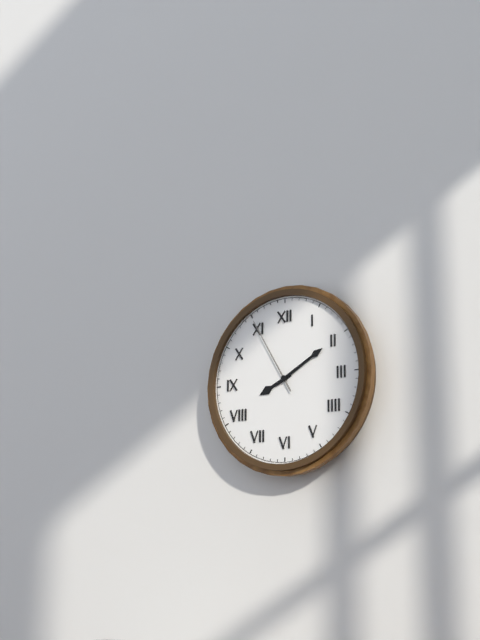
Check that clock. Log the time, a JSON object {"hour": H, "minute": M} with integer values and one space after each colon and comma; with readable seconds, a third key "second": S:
{"hour": 8, "minute": 10, "second": 55}
